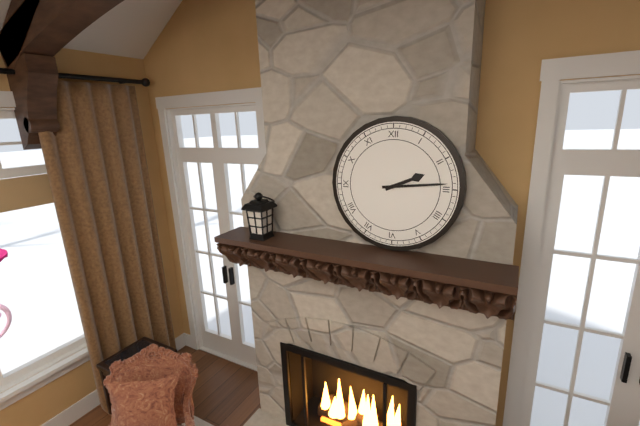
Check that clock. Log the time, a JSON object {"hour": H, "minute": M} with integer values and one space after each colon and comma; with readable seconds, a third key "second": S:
{"hour": 2, "minute": 14}
